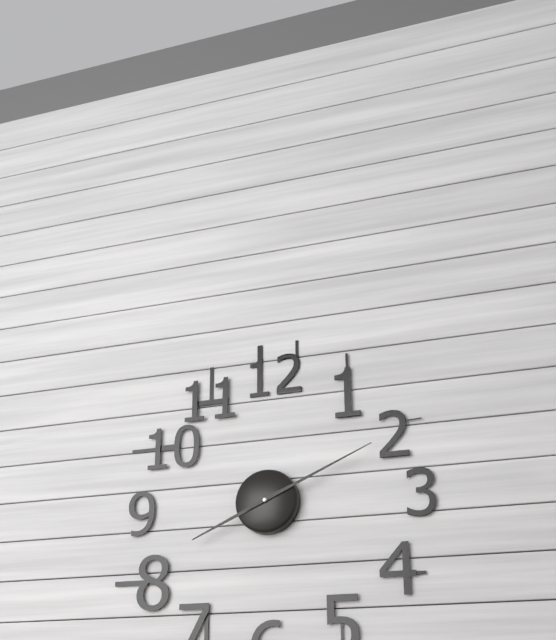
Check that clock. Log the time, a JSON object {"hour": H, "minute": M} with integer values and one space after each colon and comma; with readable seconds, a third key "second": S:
{"hour": 8, "minute": 11}
